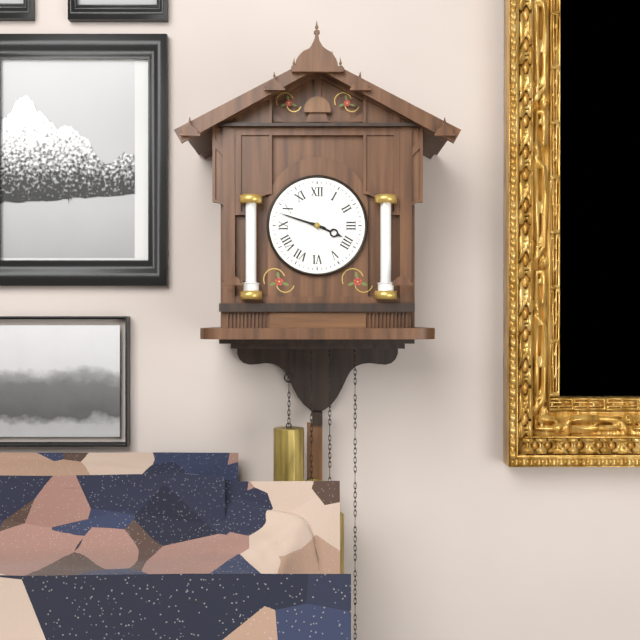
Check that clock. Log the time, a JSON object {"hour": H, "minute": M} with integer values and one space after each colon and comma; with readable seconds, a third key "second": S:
{"hour": 3, "minute": 48}
